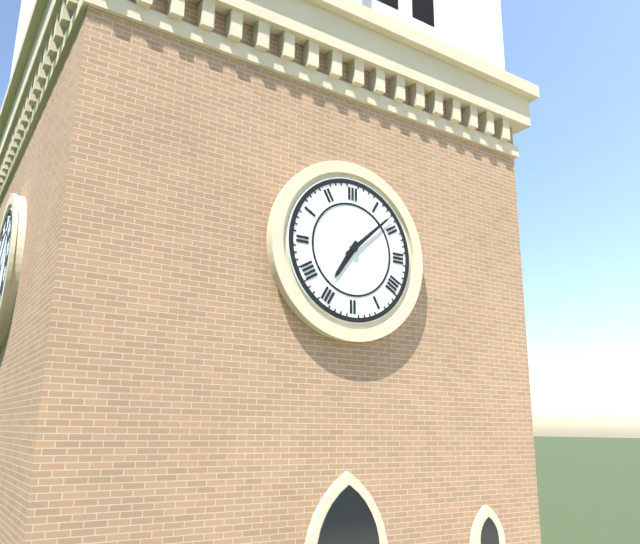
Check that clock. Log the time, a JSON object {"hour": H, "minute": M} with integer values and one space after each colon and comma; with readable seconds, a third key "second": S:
{"hour": 7, "minute": 8}
